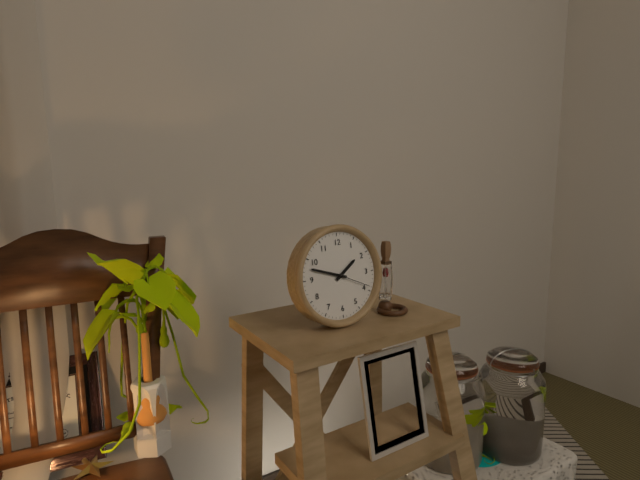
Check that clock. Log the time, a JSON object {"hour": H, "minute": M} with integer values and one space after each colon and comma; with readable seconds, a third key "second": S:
{"hour": 1, "minute": 48}
